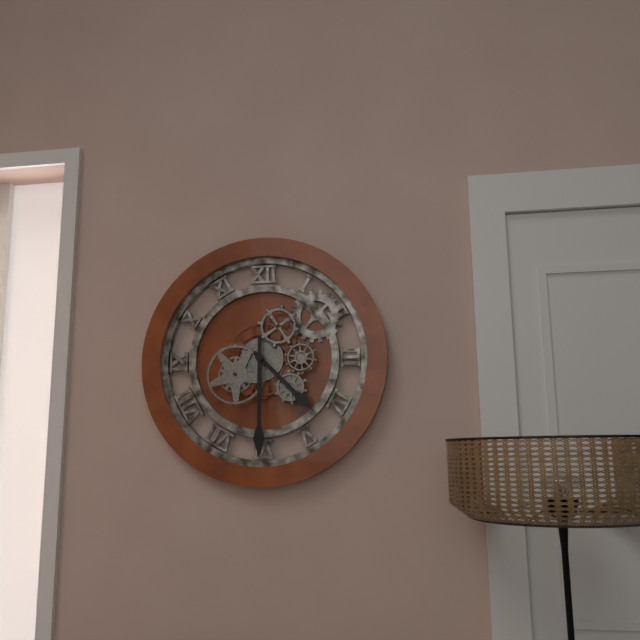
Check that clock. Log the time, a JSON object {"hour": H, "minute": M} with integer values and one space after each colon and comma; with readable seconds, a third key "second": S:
{"hour": 4, "minute": 30}
